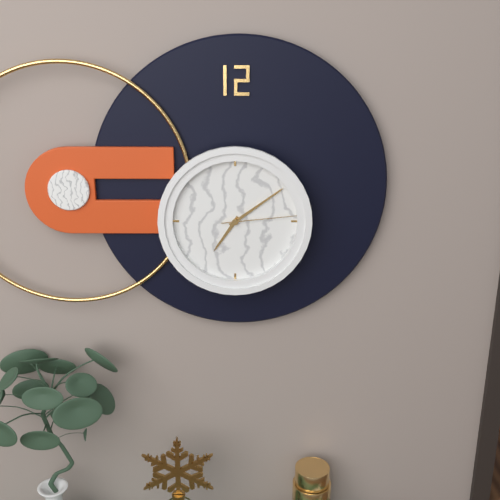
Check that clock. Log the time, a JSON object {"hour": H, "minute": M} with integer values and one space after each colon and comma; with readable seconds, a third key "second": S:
{"hour": 7, "minute": 9, "second": 14}
